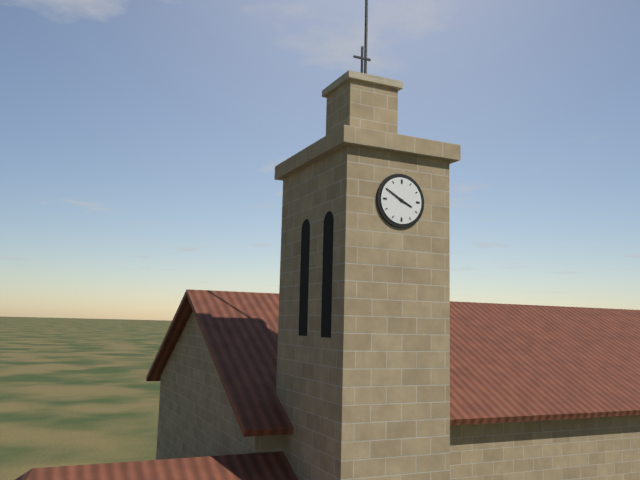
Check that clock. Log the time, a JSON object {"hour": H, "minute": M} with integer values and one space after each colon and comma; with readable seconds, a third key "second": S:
{"hour": 3, "minute": 50}
